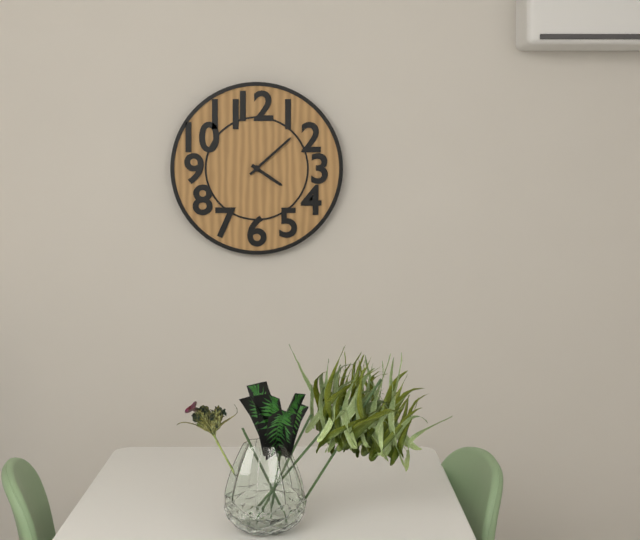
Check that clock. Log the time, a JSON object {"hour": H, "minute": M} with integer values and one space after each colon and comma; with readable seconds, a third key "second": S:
{"hour": 4, "minute": 8}
